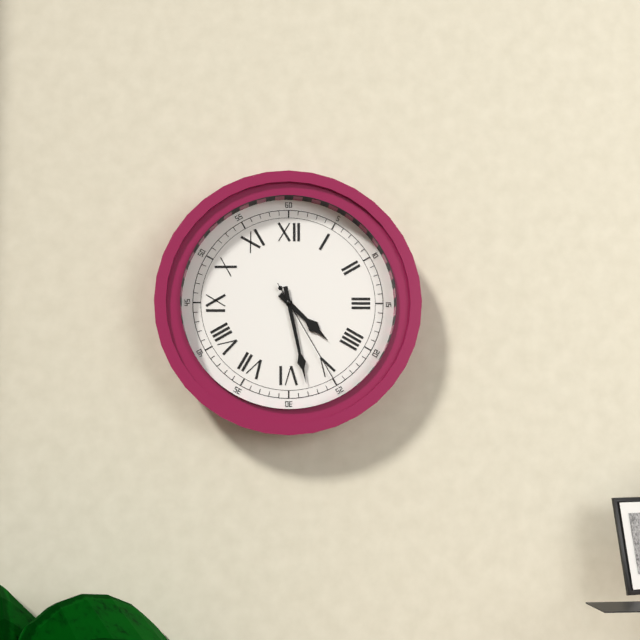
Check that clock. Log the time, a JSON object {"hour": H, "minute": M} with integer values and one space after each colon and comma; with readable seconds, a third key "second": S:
{"hour": 4, "minute": 28, "second": 25}
